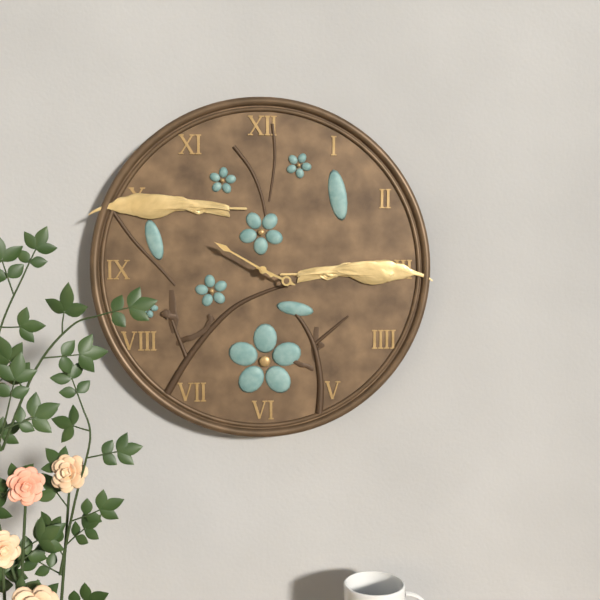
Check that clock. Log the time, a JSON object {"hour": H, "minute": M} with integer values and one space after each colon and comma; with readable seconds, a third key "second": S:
{"hour": 3, "minute": 50}
